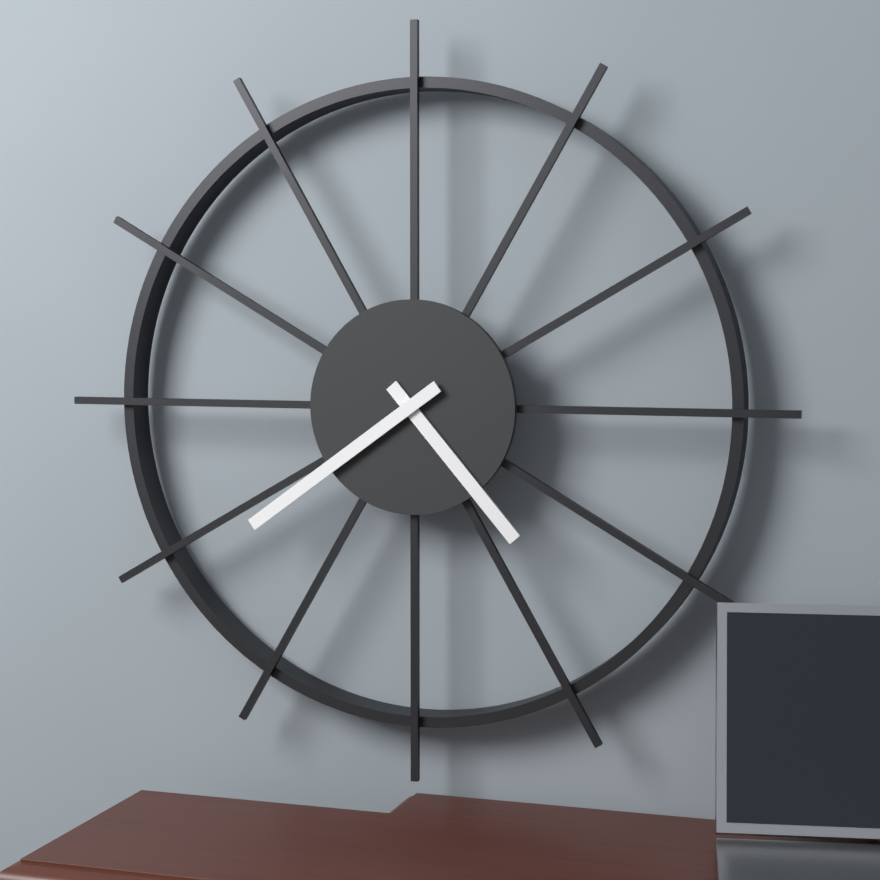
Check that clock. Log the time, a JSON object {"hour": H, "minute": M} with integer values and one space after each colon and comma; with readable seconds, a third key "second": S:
{"hour": 4, "minute": 39}
